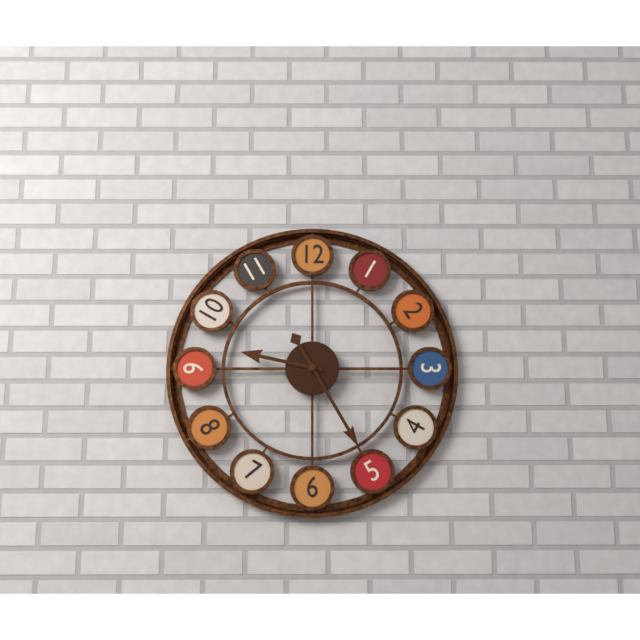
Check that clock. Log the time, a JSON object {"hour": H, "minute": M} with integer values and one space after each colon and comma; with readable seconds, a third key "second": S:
{"hour": 9, "minute": 25}
